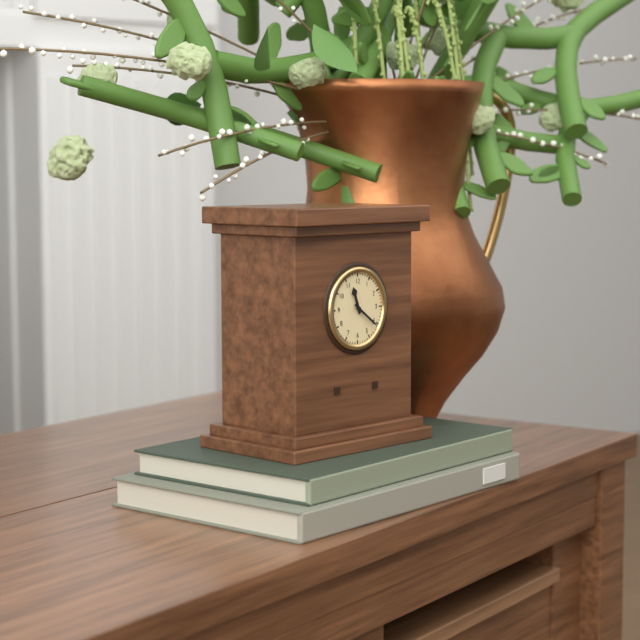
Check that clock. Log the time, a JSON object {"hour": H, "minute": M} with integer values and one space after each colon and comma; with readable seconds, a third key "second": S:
{"hour": 11, "minute": 21}
